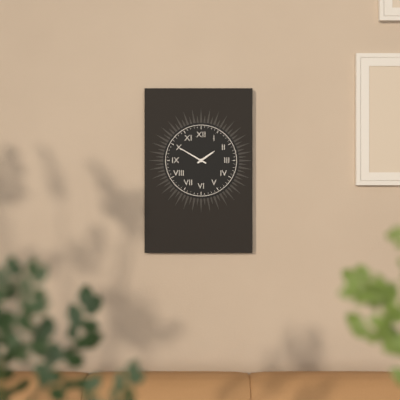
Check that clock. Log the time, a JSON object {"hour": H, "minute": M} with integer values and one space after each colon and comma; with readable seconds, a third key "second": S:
{"hour": 1, "minute": 50}
